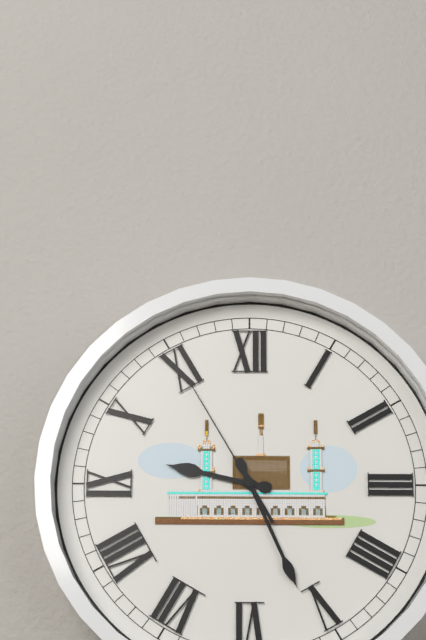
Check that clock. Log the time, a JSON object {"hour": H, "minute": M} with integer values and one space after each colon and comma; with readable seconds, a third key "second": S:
{"hour": 9, "minute": 26, "second": 55}
